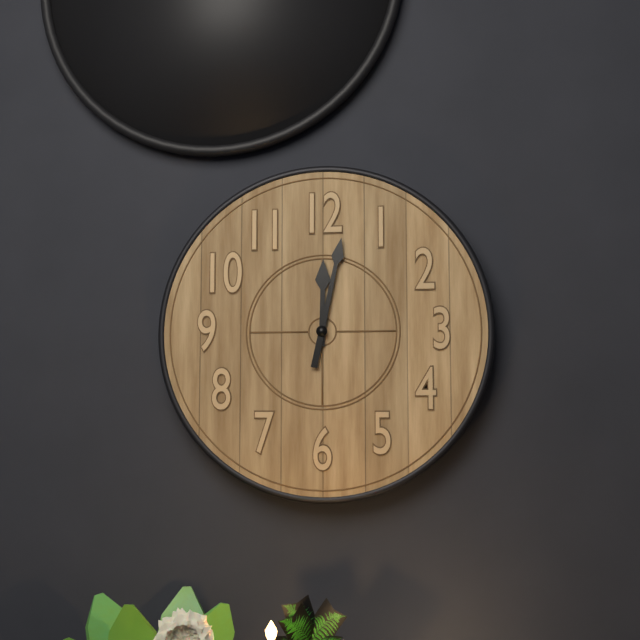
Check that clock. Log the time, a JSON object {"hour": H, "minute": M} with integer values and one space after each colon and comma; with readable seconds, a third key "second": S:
{"hour": 12, "minute": 2}
